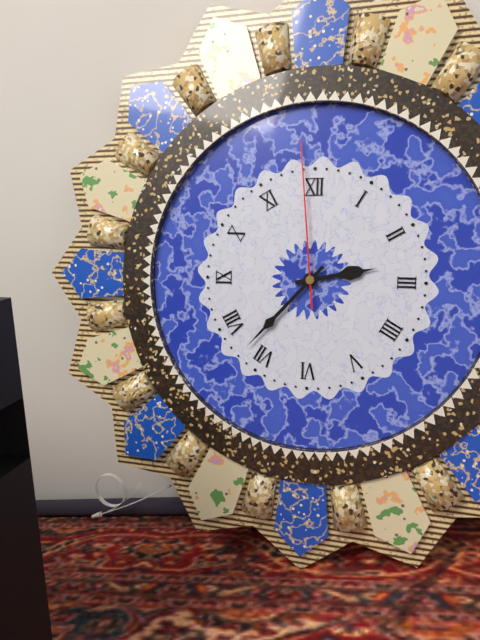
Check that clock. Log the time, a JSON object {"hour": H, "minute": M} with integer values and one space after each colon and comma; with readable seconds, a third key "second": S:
{"hour": 2, "minute": 37, "second": 59}
